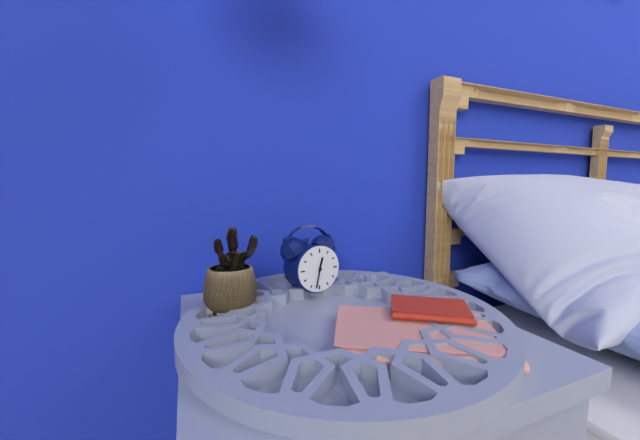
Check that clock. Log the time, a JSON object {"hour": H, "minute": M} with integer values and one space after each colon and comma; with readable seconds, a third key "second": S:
{"hour": 12, "minute": 32}
